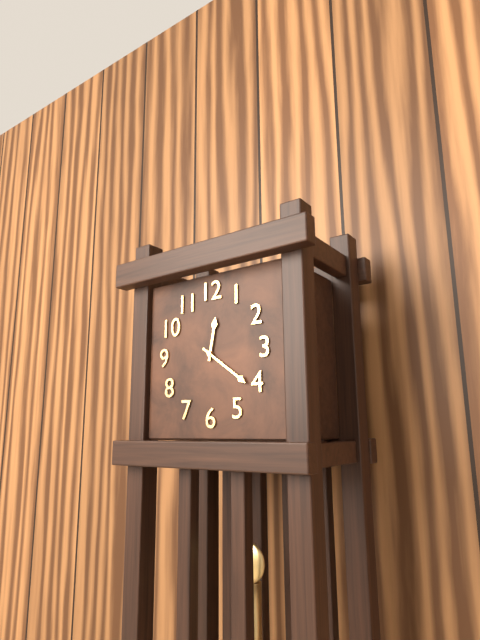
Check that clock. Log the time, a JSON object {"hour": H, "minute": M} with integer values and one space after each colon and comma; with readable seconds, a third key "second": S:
{"hour": 12, "minute": 21}
